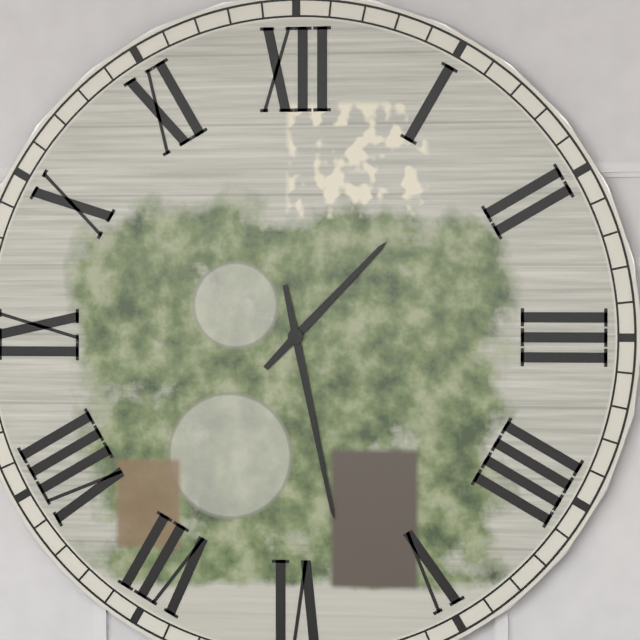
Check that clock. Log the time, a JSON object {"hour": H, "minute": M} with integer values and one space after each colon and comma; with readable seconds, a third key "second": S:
{"hour": 1, "minute": 28}
